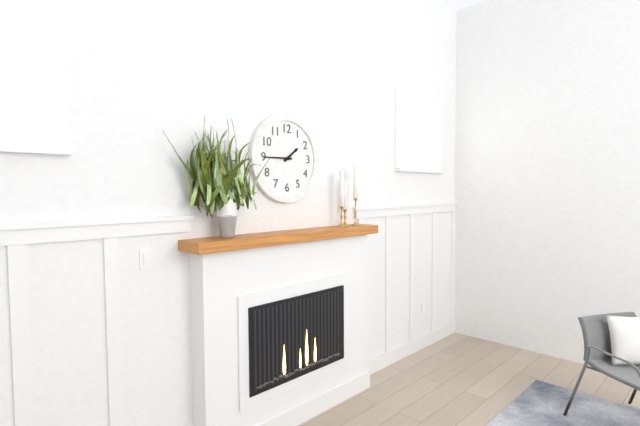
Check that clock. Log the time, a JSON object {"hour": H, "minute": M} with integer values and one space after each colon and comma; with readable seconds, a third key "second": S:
{"hour": 1, "minute": 45}
